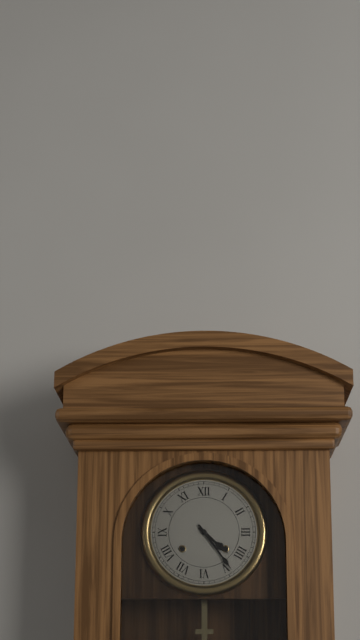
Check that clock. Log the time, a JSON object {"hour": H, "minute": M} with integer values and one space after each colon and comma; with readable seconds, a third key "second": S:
{"hour": 4, "minute": 24}
